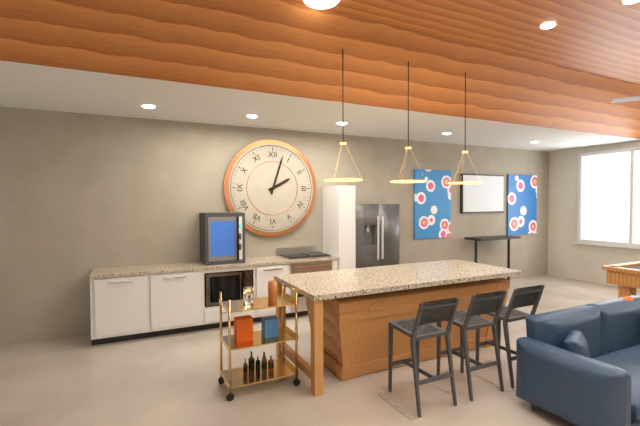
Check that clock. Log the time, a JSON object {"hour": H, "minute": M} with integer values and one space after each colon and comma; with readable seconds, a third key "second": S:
{"hour": 2, "minute": 3}
